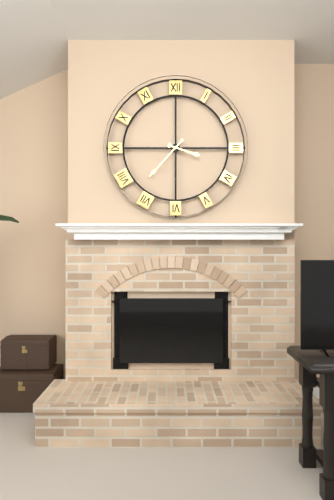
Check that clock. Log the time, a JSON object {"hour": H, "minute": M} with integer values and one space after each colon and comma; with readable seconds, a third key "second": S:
{"hour": 3, "minute": 37}
